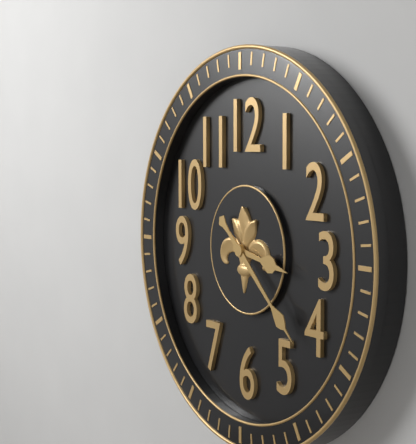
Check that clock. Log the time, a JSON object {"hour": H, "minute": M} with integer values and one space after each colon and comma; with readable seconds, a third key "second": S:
{"hour": 3, "minute": 22}
